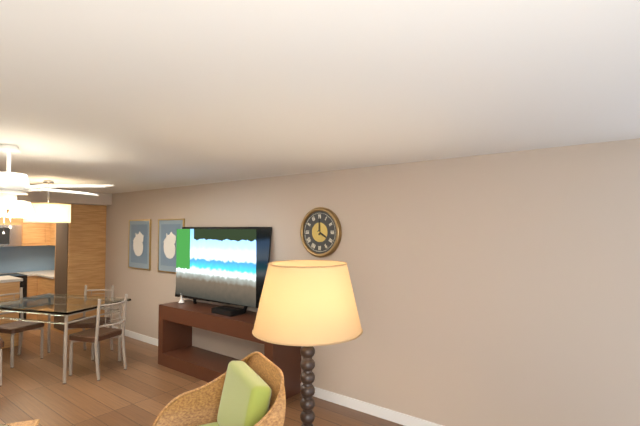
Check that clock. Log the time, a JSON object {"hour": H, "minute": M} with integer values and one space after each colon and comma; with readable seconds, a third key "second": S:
{"hour": 4, "minute": 0}
